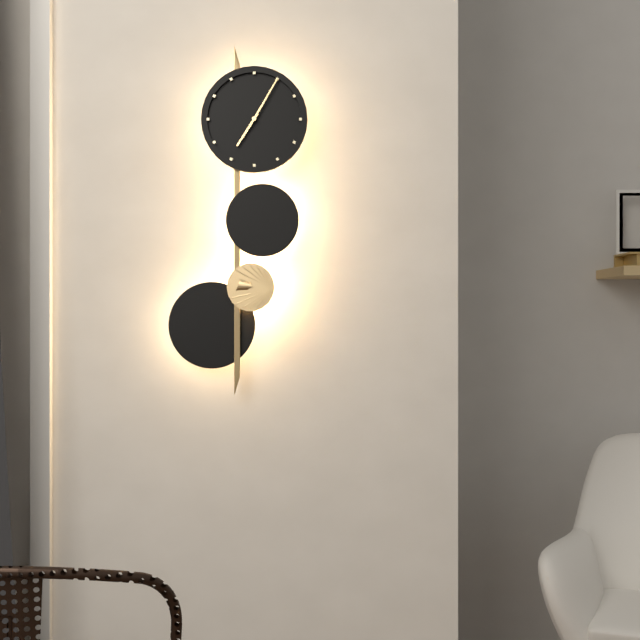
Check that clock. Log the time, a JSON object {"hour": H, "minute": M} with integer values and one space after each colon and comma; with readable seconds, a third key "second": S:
{"hour": 7, "minute": 5}
